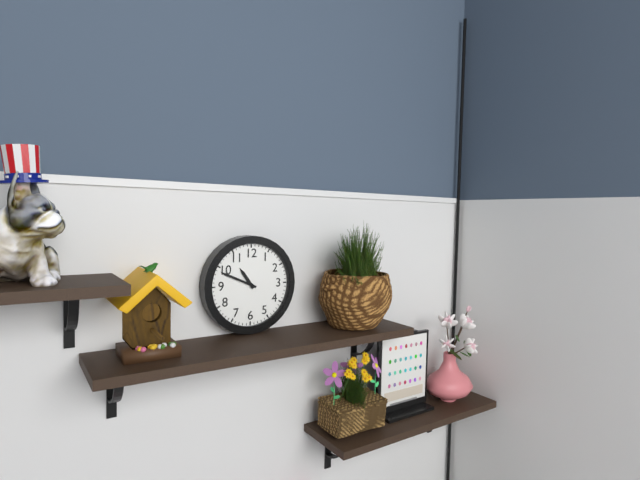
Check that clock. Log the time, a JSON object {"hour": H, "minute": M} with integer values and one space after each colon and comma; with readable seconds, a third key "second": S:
{"hour": 10, "minute": 49}
